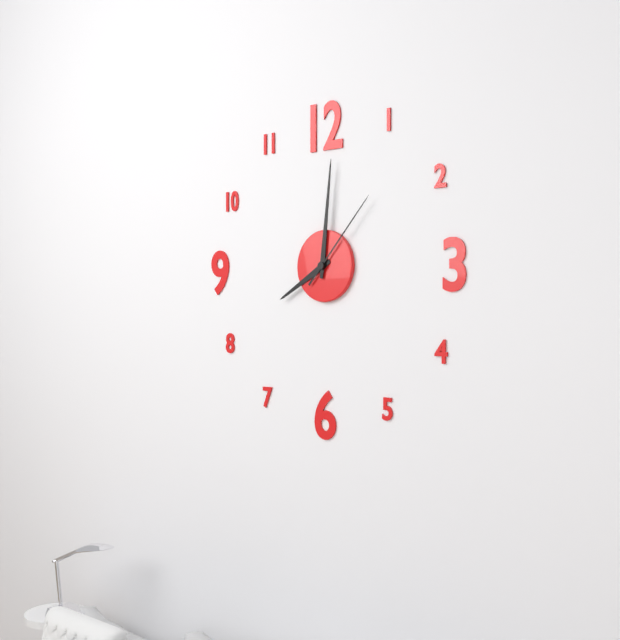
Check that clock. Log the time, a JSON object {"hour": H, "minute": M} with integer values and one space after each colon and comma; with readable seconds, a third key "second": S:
{"hour": 8, "minute": 1, "second": 7}
